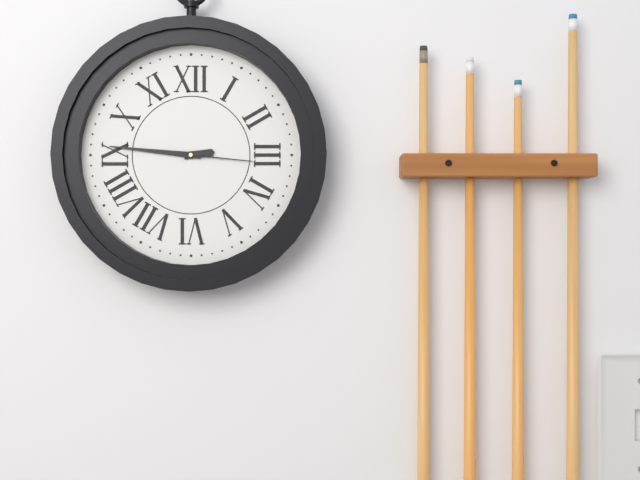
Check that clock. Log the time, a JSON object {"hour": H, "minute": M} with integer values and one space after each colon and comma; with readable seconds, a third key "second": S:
{"hour": 2, "minute": 46, "second": 16}
